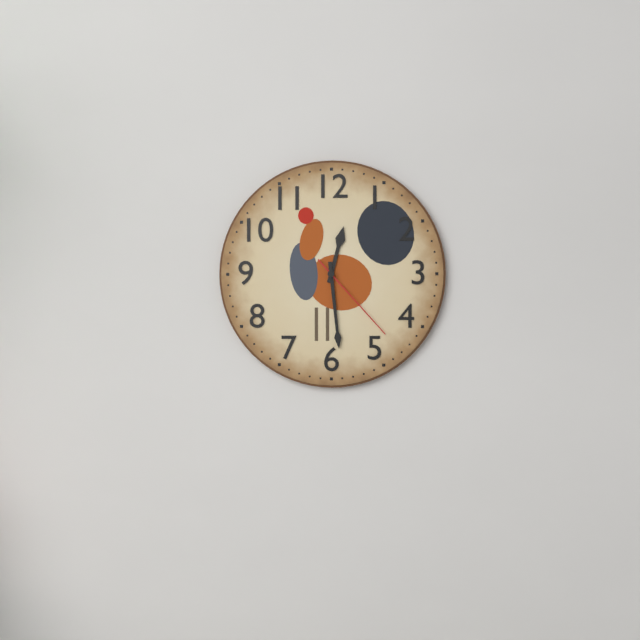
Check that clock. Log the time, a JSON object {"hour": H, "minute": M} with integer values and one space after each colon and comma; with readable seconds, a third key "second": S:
{"hour": 12, "minute": 29, "second": 23}
